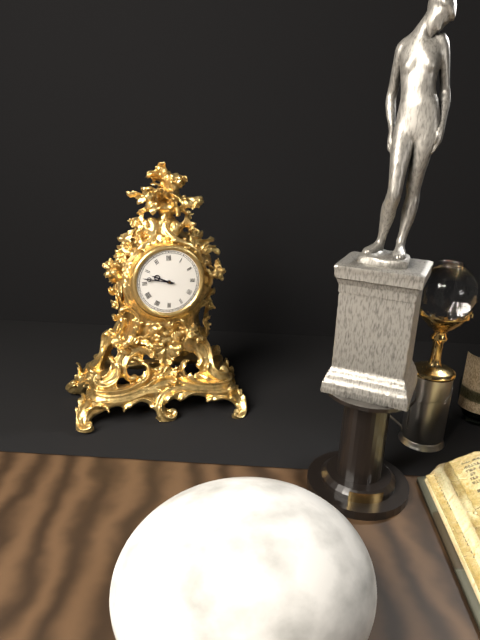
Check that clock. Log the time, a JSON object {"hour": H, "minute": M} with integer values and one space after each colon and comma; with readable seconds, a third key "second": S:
{"hour": 9, "minute": 47}
